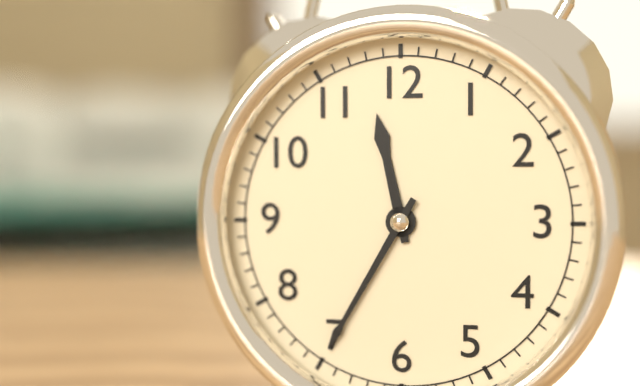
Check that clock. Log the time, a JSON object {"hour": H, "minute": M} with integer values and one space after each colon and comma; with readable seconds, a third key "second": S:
{"hour": 11, "minute": 35}
